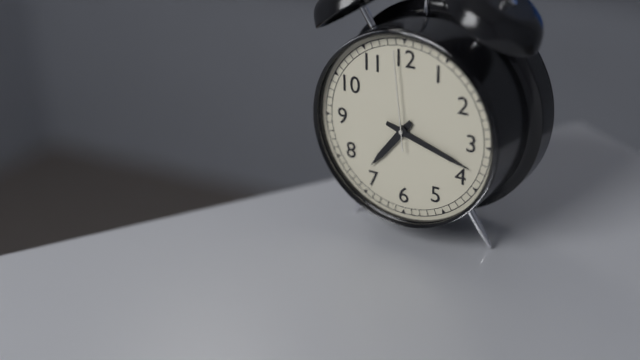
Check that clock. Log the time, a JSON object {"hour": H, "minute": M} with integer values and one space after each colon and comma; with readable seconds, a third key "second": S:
{"hour": 7, "minute": 18, "second": 59}
